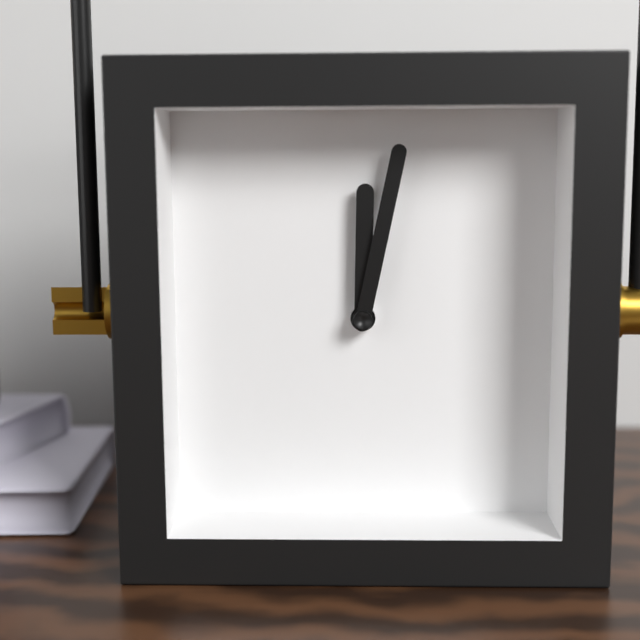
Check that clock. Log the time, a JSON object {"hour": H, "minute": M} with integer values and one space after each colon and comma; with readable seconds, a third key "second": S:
{"hour": 12, "minute": 2}
